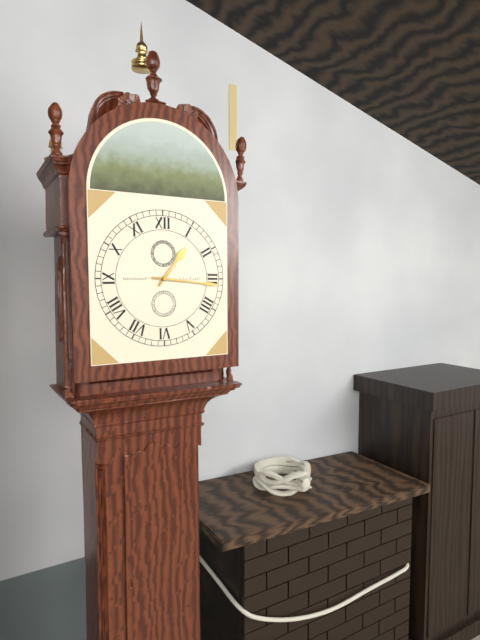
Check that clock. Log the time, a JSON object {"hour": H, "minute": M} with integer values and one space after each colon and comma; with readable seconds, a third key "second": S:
{"hour": 1, "minute": 16}
